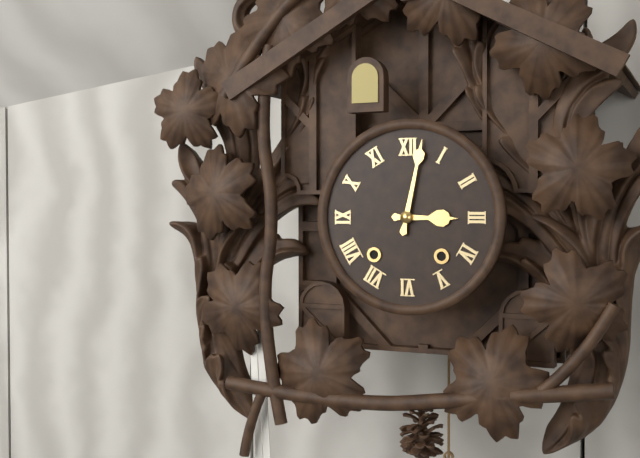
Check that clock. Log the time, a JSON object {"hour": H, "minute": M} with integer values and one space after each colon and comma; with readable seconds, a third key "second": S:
{"hour": 3, "minute": 2}
